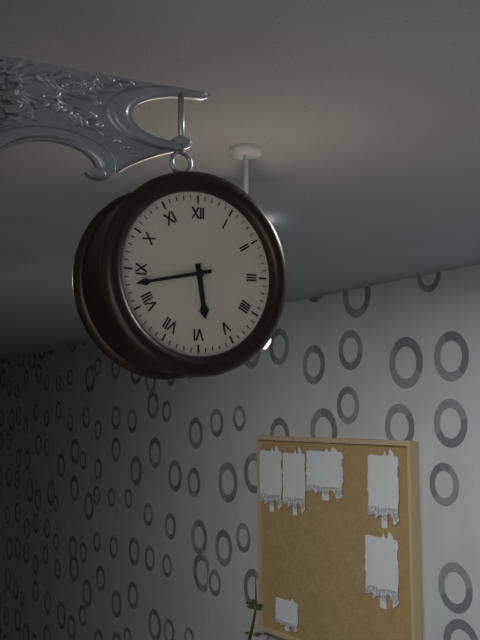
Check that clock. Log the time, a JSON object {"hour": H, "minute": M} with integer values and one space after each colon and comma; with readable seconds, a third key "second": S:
{"hour": 5, "minute": 43}
